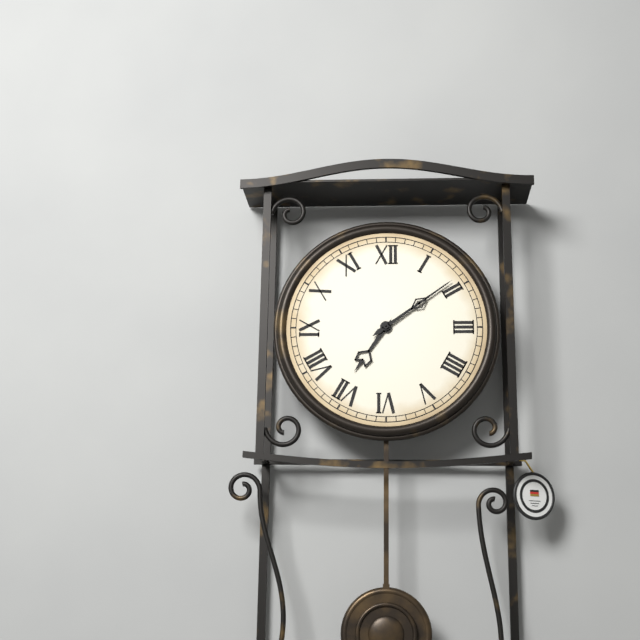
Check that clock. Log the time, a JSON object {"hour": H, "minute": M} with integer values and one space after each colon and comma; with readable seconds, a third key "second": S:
{"hour": 7, "minute": 9}
